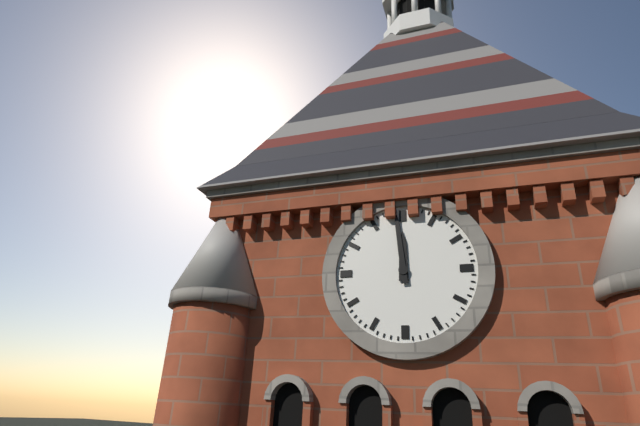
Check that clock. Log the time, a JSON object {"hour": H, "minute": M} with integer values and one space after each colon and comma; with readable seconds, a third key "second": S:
{"hour": 11, "minute": 59}
